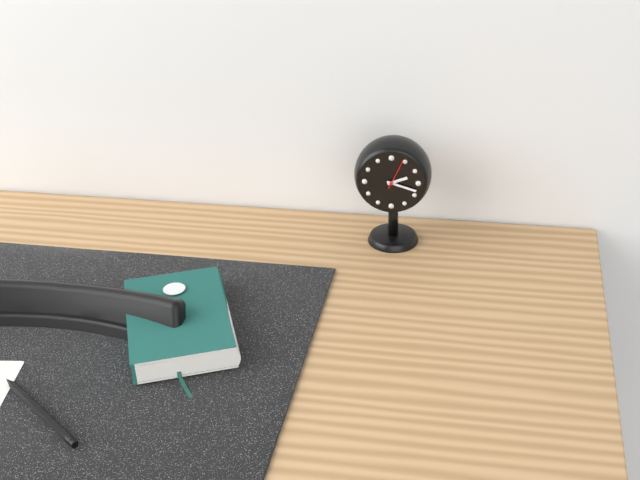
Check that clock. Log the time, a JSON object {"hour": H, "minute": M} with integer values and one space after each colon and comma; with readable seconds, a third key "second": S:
{"hour": 2, "minute": 18}
